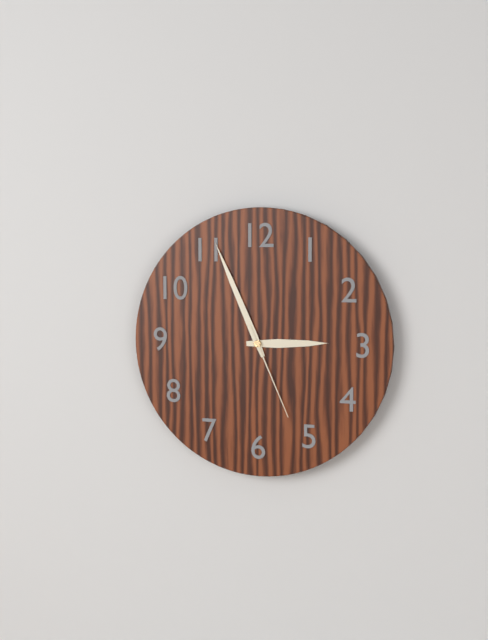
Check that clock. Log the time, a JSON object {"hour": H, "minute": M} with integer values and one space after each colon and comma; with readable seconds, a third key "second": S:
{"hour": 2, "minute": 56, "second": 26}
